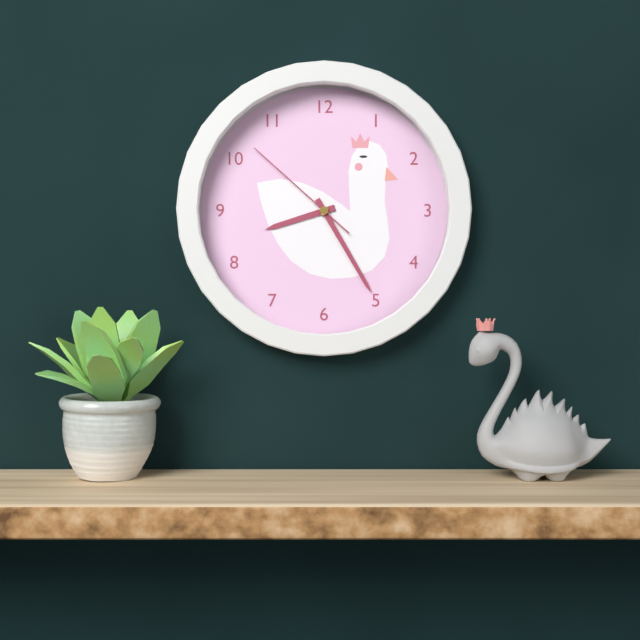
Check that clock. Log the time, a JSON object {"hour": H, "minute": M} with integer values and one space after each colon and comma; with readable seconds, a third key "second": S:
{"hour": 8, "minute": 25, "second": 52}
